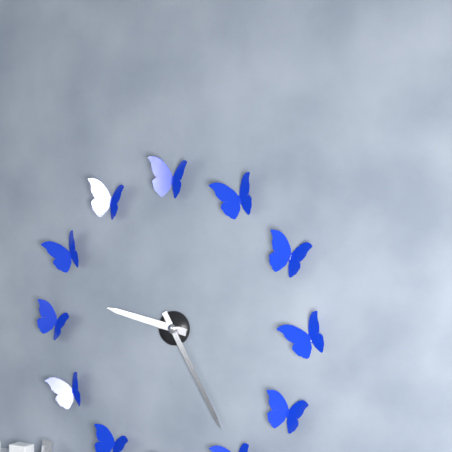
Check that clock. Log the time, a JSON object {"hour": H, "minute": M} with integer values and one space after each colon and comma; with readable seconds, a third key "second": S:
{"hour": 9, "minute": 25}
